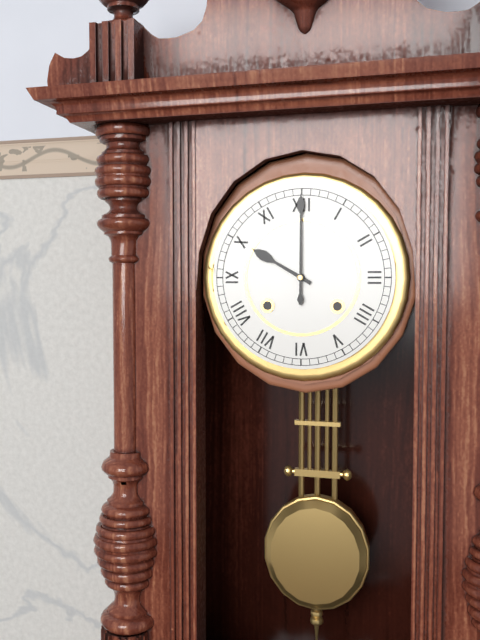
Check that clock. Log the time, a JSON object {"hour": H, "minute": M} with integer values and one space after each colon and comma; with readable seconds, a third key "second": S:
{"hour": 10, "minute": 0}
